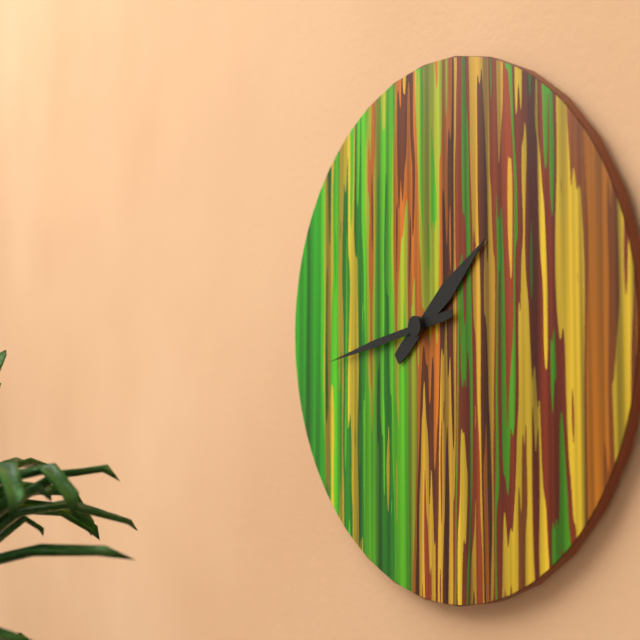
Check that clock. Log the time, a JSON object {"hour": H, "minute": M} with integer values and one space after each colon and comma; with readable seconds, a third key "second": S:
{"hour": 1, "minute": 43}
